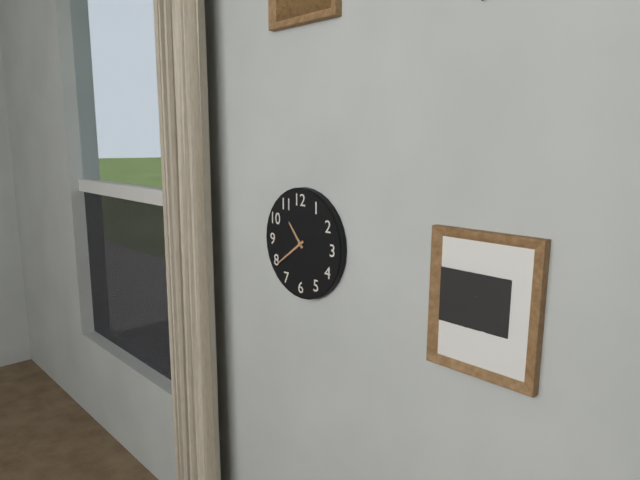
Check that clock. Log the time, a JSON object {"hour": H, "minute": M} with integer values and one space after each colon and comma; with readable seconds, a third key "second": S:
{"hour": 10, "minute": 39}
